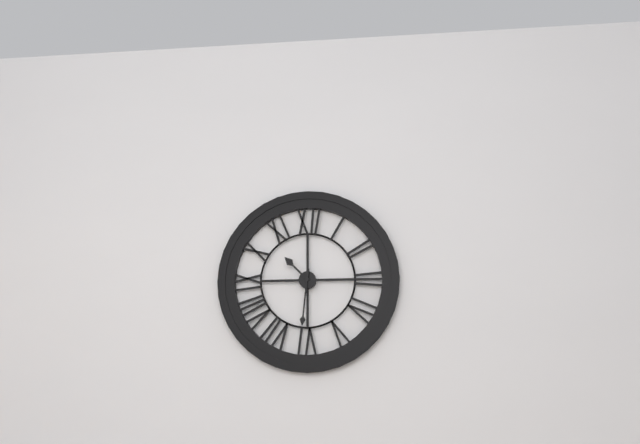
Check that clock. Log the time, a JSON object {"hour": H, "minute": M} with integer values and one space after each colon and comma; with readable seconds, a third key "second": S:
{"hour": 10, "minute": 31}
